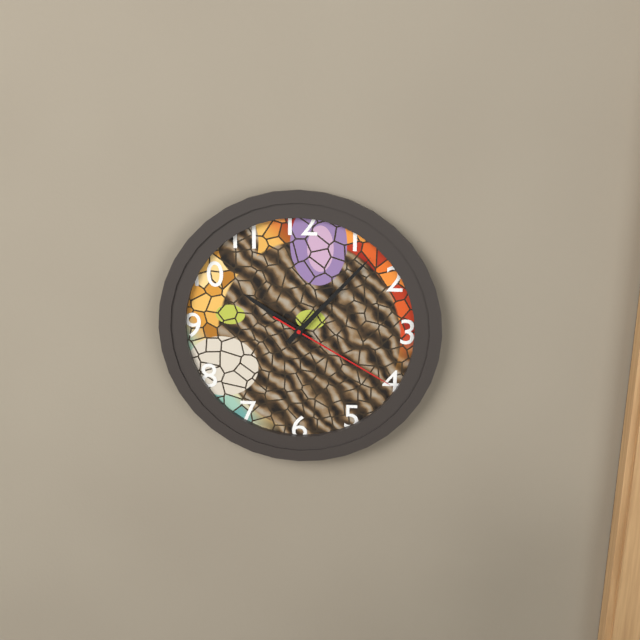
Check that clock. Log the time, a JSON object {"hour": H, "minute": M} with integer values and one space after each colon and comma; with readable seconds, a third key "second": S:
{"hour": 10, "minute": 7, "second": 20}
